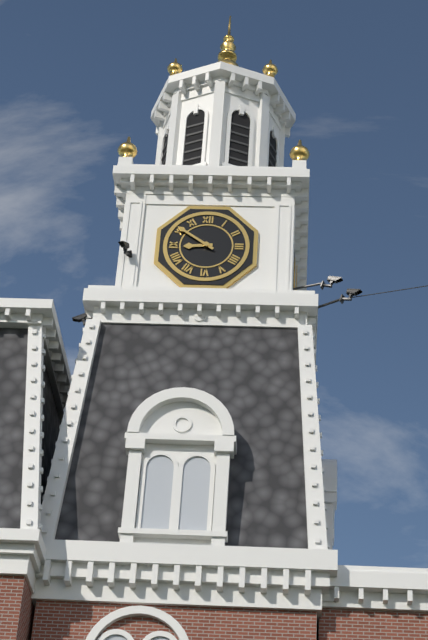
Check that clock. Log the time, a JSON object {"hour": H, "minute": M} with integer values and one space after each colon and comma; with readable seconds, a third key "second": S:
{"hour": 8, "minute": 51}
